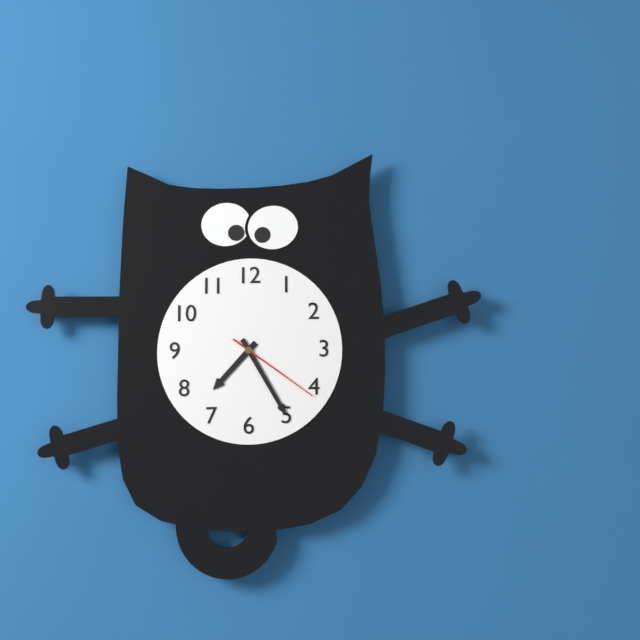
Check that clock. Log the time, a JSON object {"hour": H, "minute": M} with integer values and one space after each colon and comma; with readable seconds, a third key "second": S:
{"hour": 7, "minute": 25, "second": 21}
